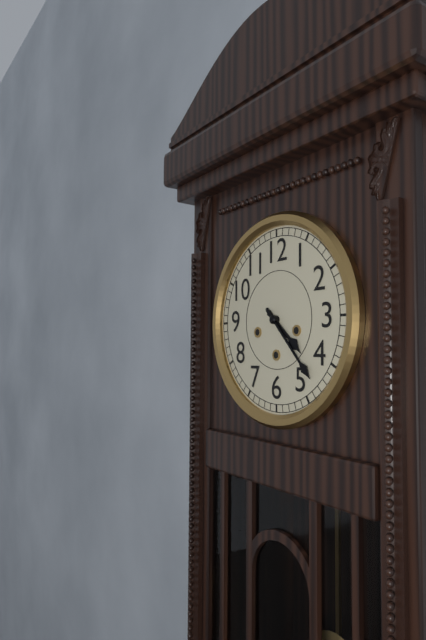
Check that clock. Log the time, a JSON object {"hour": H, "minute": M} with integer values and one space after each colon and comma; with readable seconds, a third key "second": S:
{"hour": 4, "minute": 23}
